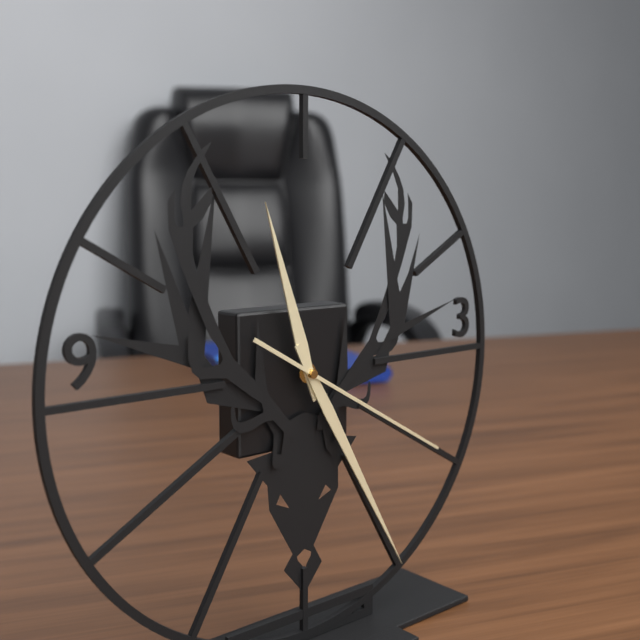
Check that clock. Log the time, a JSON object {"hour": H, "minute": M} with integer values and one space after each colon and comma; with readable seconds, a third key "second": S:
{"hour": 11, "minute": 25, "second": 20}
